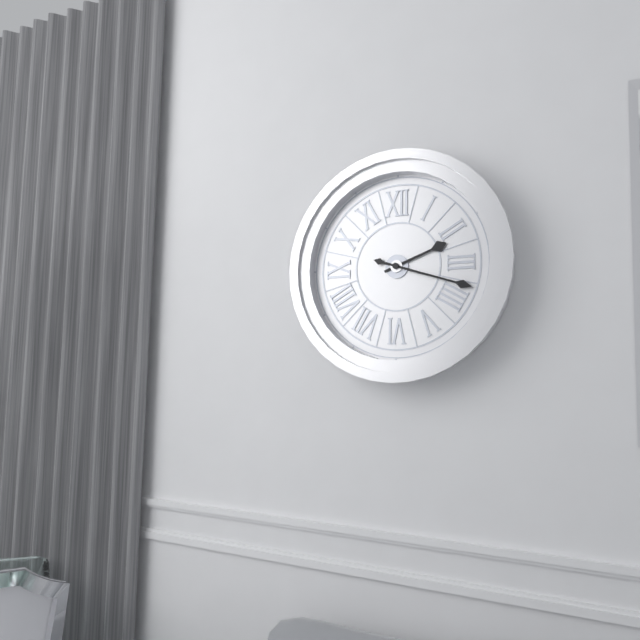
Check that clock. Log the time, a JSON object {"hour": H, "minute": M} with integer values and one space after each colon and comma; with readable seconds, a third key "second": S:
{"hour": 2, "minute": 18}
